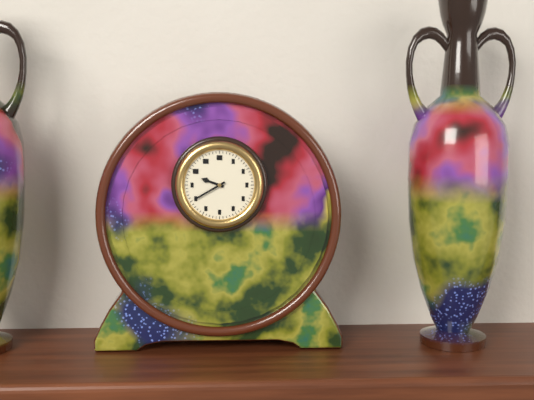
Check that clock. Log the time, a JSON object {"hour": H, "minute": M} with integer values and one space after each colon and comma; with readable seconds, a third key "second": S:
{"hour": 9, "minute": 40}
